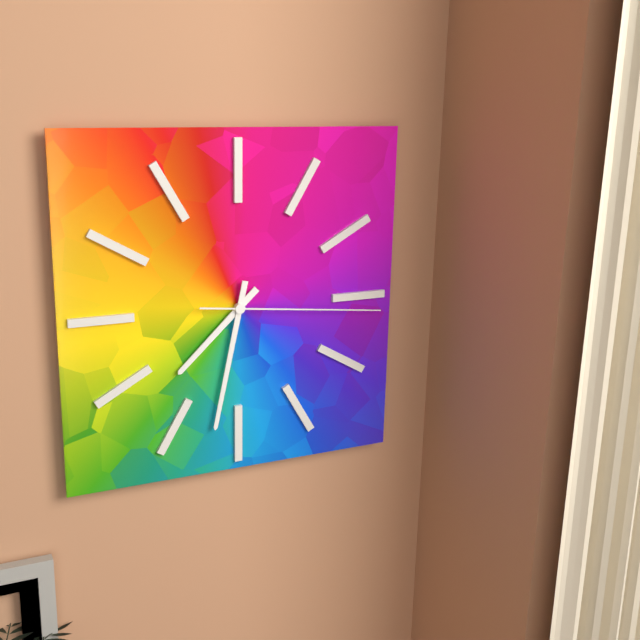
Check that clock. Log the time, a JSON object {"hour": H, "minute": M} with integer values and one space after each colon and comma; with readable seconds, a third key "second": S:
{"hour": 7, "minute": 32, "second": 16}
